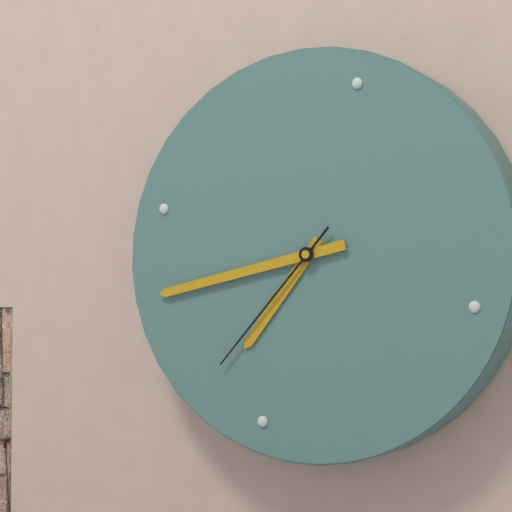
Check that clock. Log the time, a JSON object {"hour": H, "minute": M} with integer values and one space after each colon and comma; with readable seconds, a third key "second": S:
{"hour": 6, "minute": 40, "second": 34}
